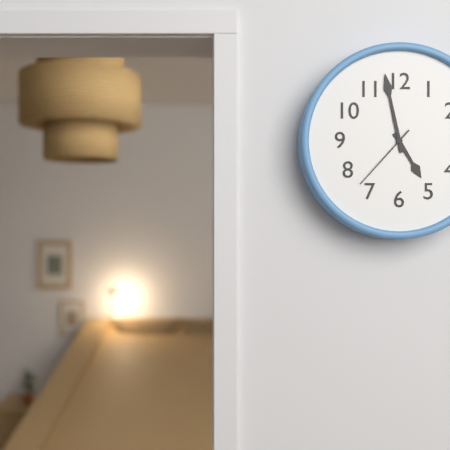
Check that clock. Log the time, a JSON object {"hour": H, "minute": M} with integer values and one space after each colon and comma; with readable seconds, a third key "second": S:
{"hour": 4, "minute": 58, "second": 37}
